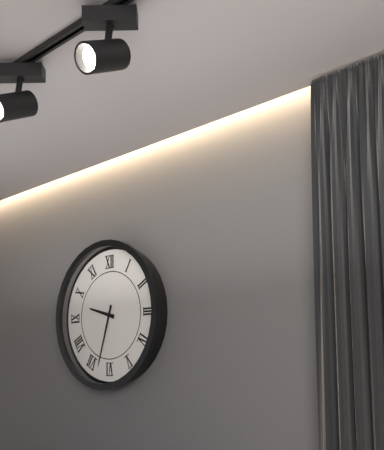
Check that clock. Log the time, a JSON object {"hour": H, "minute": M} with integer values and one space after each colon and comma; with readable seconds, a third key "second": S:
{"hour": 9, "minute": 33}
